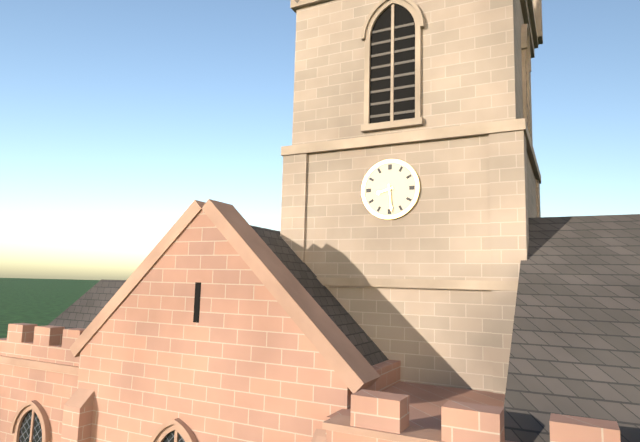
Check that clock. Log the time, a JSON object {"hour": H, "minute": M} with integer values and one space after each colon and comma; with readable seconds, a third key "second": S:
{"hour": 8, "minute": 29}
